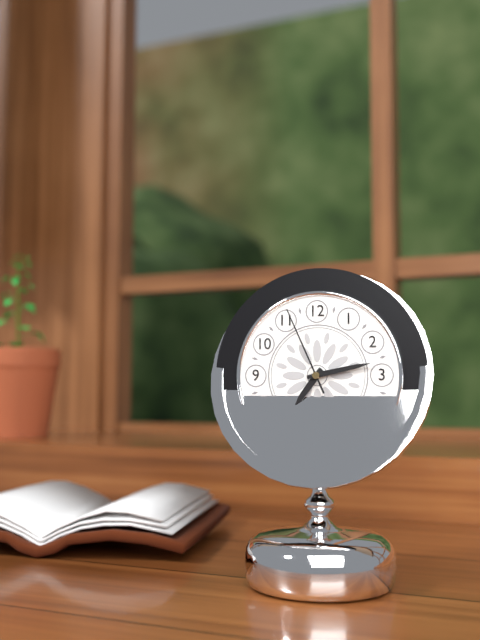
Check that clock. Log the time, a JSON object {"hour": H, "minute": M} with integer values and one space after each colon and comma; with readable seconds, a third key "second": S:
{"hour": 7, "minute": 13, "second": 56}
